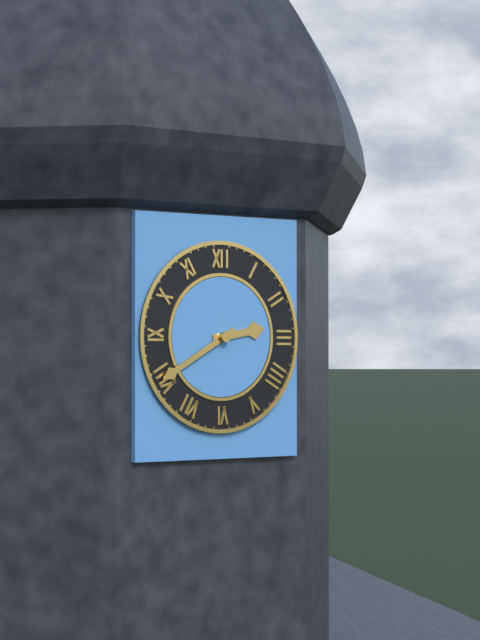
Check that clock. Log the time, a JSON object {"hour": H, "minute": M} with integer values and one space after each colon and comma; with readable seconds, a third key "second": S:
{"hour": 2, "minute": 40}
